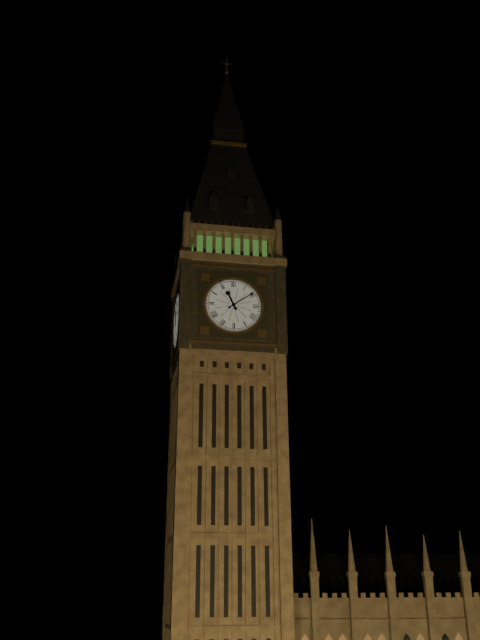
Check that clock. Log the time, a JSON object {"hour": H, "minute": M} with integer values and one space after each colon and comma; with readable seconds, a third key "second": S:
{"hour": 11, "minute": 9}
